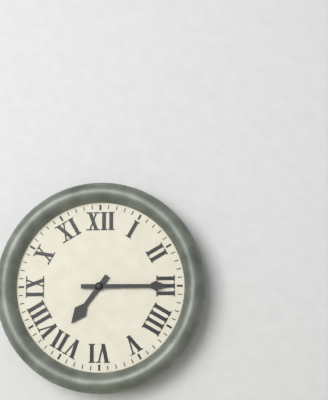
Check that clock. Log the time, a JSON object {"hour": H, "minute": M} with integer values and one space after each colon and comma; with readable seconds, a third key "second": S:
{"hour": 7, "minute": 15}
